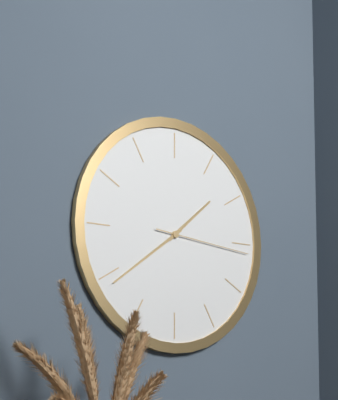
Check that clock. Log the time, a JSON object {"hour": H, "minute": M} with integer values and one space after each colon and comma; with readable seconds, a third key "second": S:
{"hour": 1, "minute": 39, "second": 16}
